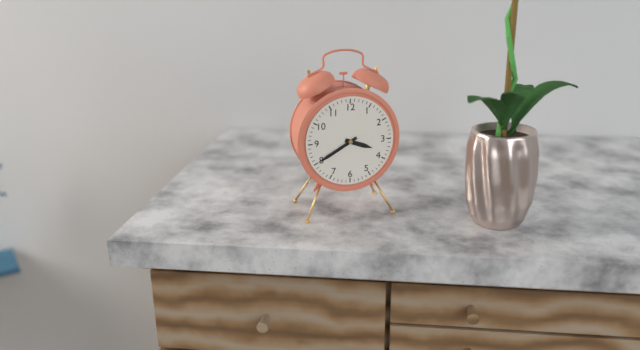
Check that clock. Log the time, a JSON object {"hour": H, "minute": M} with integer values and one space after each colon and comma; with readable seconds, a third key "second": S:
{"hour": 3, "minute": 40}
